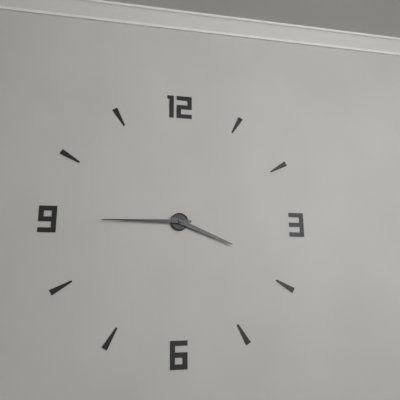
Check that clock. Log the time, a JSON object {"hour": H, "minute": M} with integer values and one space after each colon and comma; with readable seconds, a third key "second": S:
{"hour": 3, "minute": 45}
